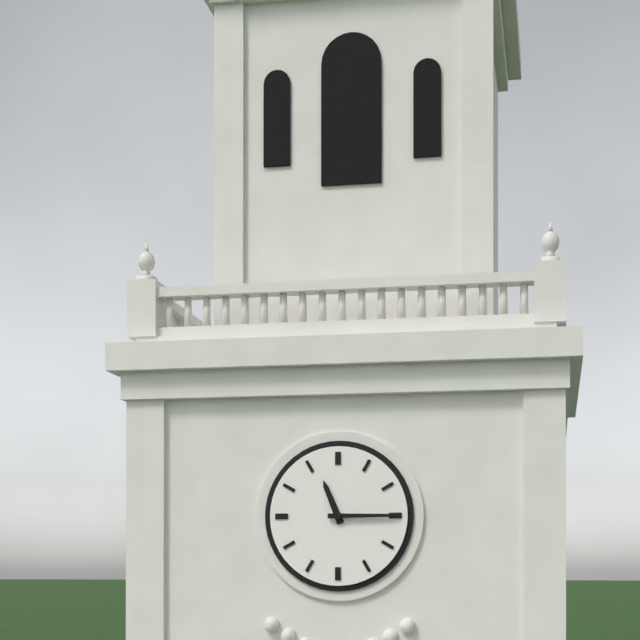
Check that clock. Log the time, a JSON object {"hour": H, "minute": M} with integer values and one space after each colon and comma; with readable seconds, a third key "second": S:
{"hour": 11, "minute": 15}
